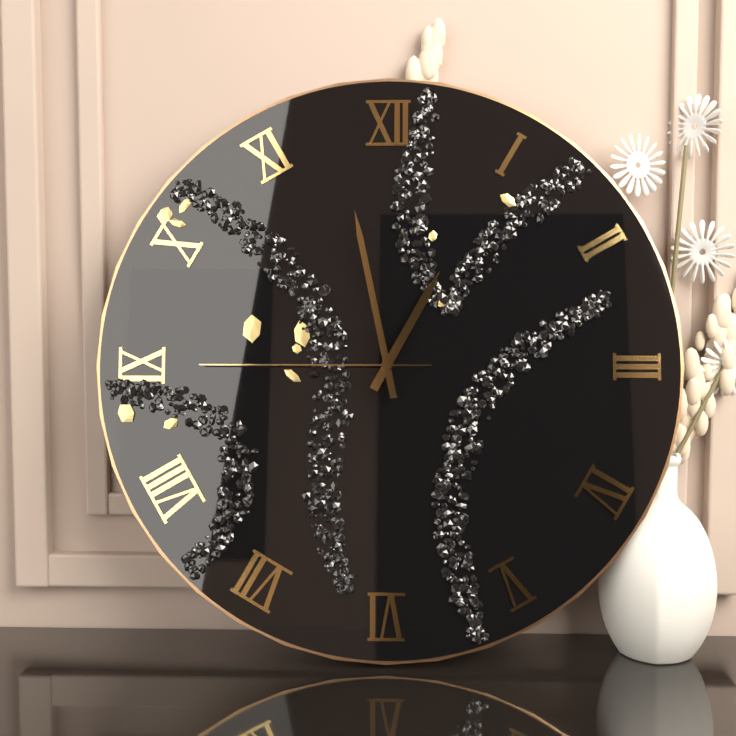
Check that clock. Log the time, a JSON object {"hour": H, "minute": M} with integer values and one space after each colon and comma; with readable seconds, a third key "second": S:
{"hour": 12, "minute": 58, "second": 45}
